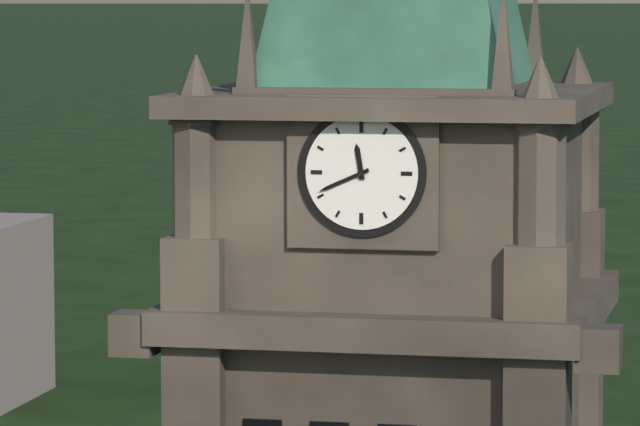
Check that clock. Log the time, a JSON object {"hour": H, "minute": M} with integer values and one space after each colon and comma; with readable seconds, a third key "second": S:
{"hour": 11, "minute": 41}
